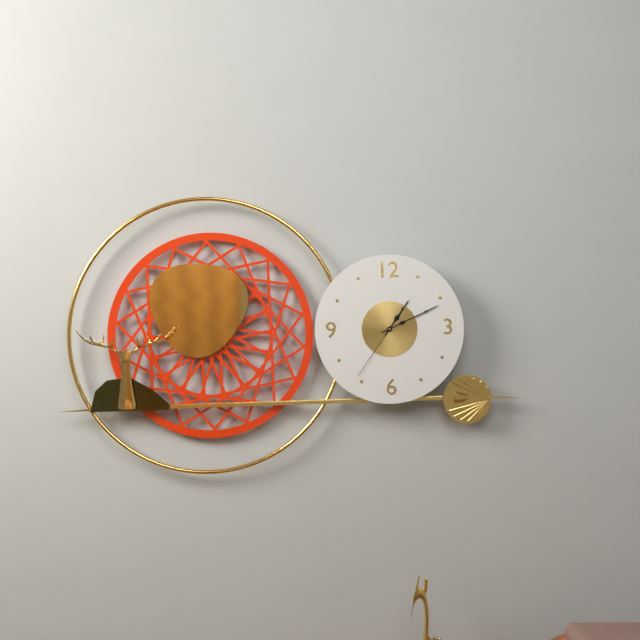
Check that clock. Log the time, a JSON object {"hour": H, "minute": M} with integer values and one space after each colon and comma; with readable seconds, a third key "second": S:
{"hour": 1, "minute": 11, "second": 36}
